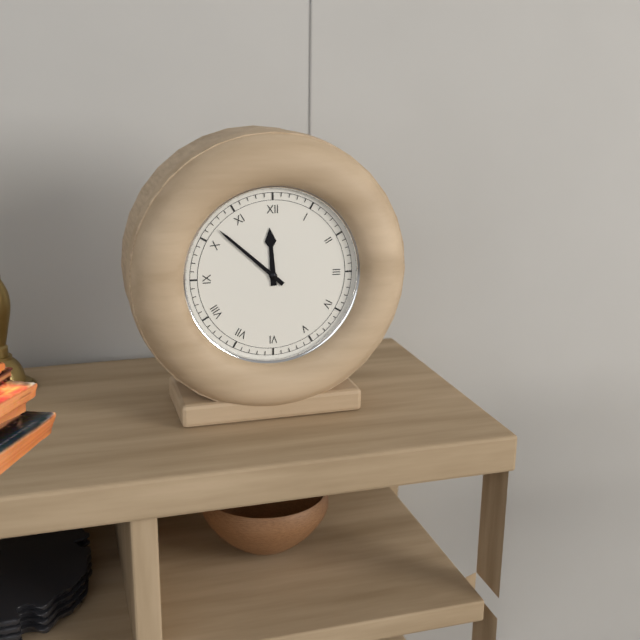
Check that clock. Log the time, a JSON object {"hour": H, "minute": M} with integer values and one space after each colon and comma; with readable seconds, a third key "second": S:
{"hour": 11, "minute": 52}
